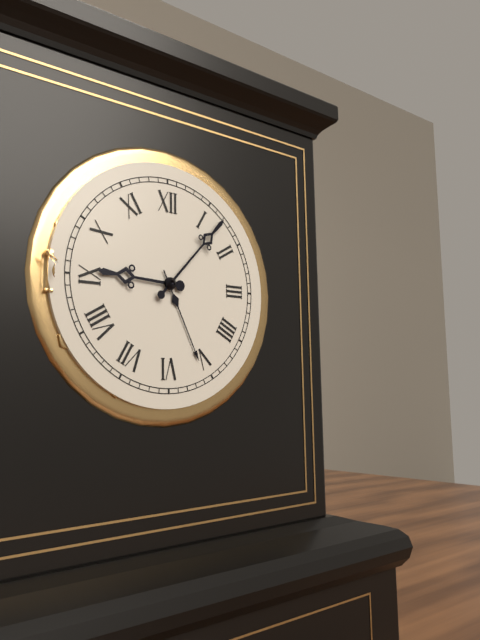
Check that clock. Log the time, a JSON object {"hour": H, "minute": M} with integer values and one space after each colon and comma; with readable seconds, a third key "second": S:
{"hour": 9, "minute": 7}
